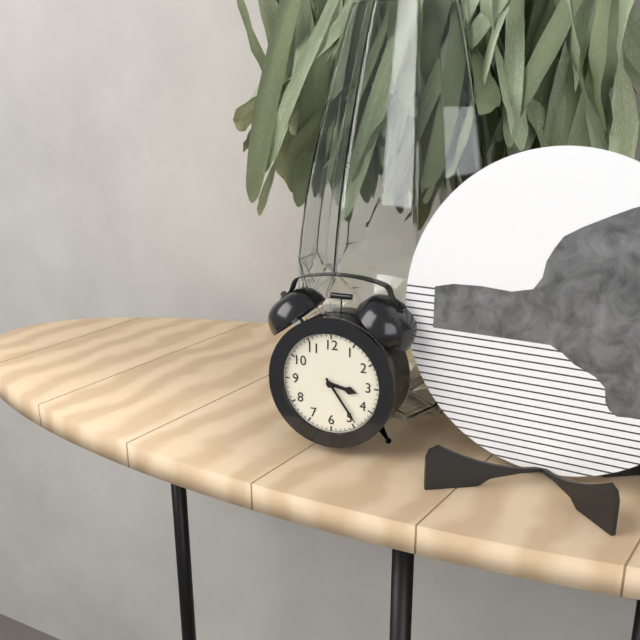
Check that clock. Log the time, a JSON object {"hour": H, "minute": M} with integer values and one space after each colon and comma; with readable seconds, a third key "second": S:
{"hour": 3, "minute": 24}
